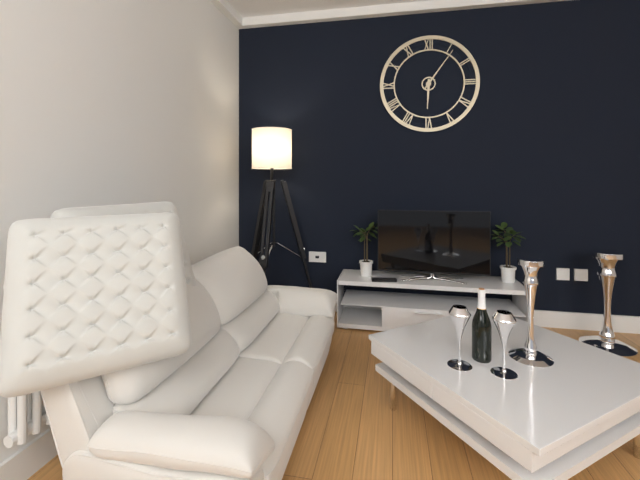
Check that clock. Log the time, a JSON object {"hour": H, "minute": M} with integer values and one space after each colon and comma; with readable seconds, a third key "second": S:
{"hour": 6, "minute": 6}
